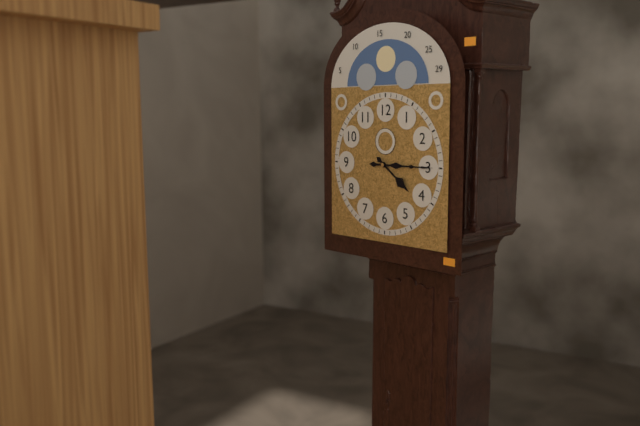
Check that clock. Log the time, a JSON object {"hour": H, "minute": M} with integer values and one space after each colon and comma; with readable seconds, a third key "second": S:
{"hour": 4, "minute": 15}
